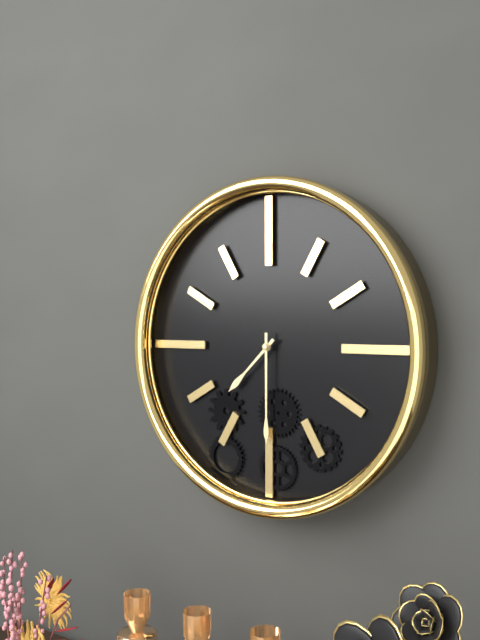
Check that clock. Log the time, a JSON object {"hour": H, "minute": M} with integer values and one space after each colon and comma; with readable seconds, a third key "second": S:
{"hour": 7, "minute": 30}
